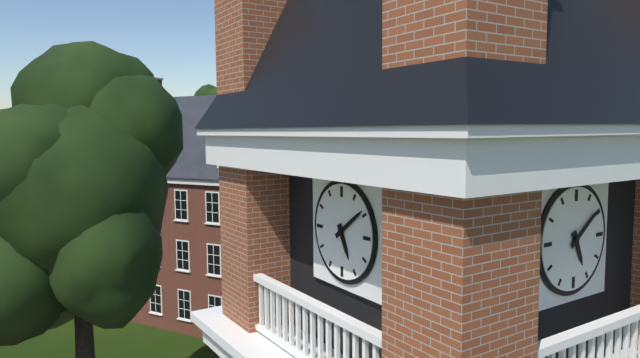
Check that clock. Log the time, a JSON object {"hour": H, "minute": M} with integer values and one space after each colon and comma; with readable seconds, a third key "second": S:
{"hour": 5, "minute": 9}
